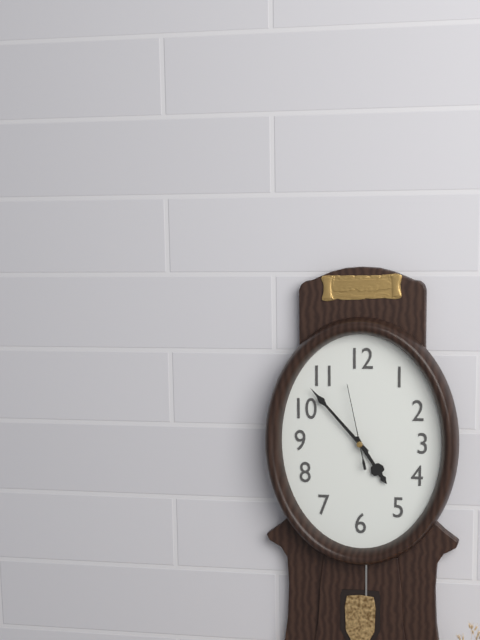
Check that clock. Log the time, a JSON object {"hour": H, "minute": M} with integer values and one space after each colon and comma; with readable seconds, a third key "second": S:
{"hour": 4, "minute": 53, "second": 58}
